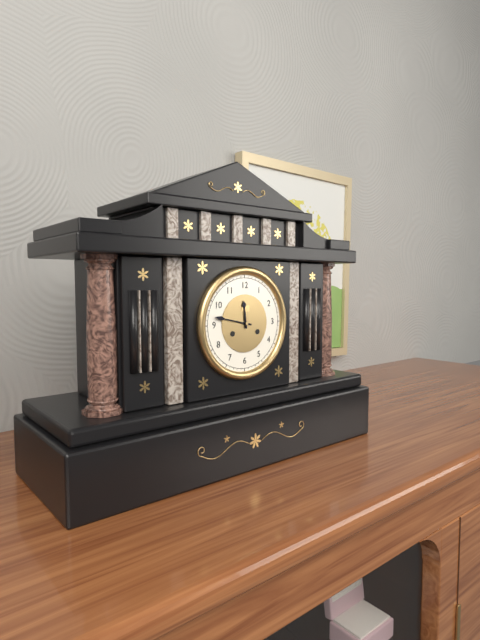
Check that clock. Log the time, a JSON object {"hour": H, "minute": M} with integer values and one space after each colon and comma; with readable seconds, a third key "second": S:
{"hour": 11, "minute": 47}
